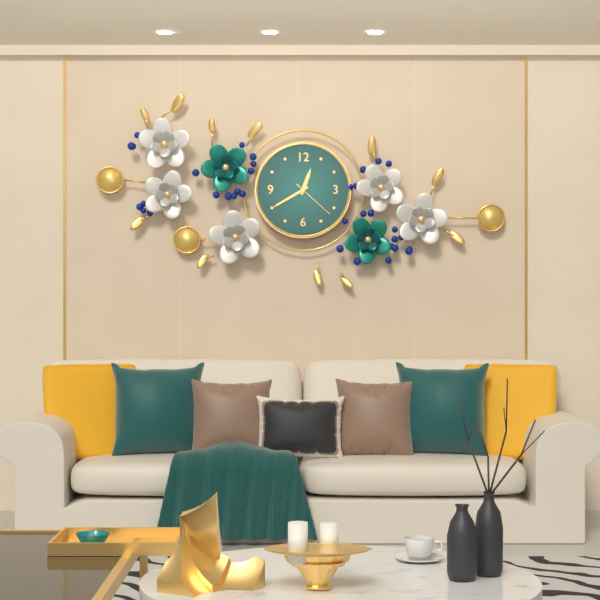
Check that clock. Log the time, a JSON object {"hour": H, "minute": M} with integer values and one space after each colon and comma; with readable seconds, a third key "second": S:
{"hour": 12, "minute": 40}
